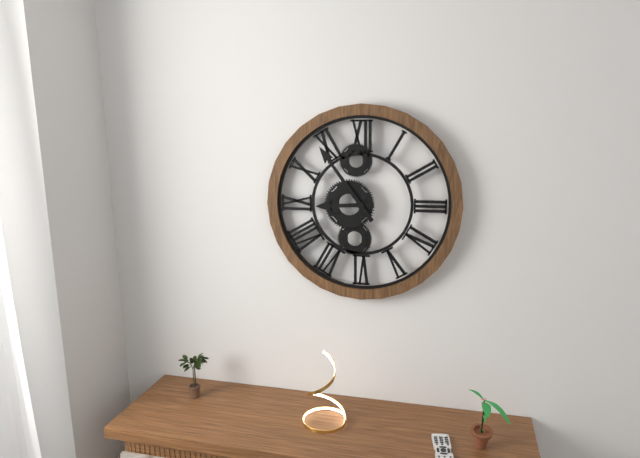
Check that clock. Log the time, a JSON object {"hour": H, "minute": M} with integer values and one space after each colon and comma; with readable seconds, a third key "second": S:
{"hour": 8, "minute": 54}
